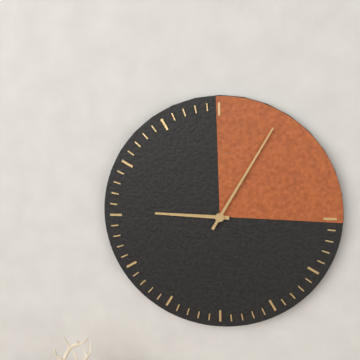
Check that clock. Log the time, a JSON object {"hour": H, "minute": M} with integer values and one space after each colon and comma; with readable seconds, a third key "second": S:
{"hour": 9, "minute": 5}
